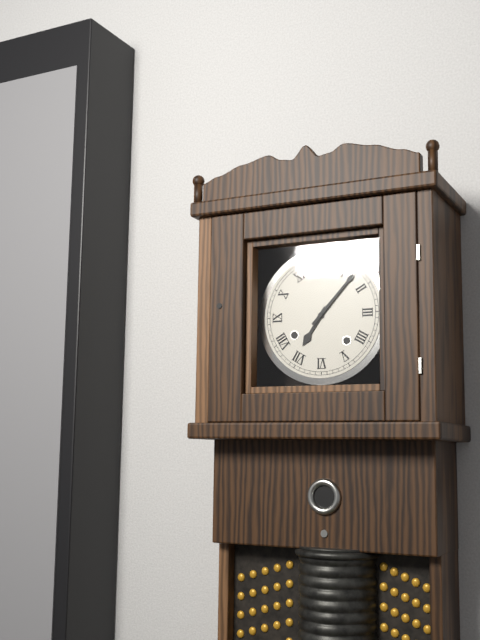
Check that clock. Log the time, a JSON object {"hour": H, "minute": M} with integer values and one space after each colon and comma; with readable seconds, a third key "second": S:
{"hour": 7, "minute": 7}
